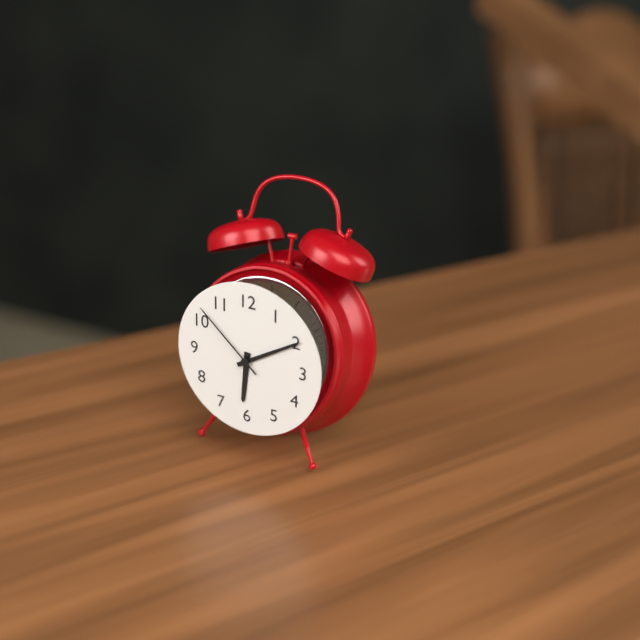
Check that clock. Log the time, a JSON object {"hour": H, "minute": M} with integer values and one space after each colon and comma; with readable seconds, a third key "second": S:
{"hour": 6, "minute": 10, "second": 52}
